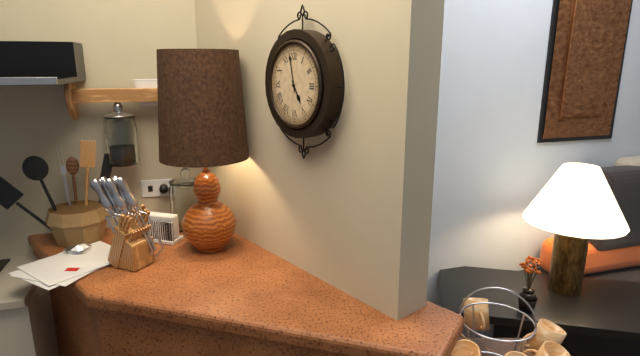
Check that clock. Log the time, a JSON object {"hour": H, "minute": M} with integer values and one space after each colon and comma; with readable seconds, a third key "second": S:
{"hour": 4, "minute": 58}
